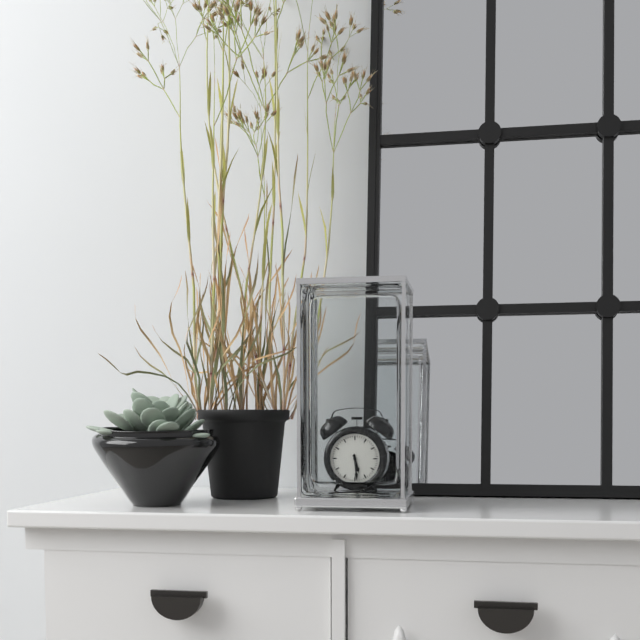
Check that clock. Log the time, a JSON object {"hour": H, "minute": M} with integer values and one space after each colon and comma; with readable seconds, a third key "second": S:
{"hour": 5, "minute": 29}
